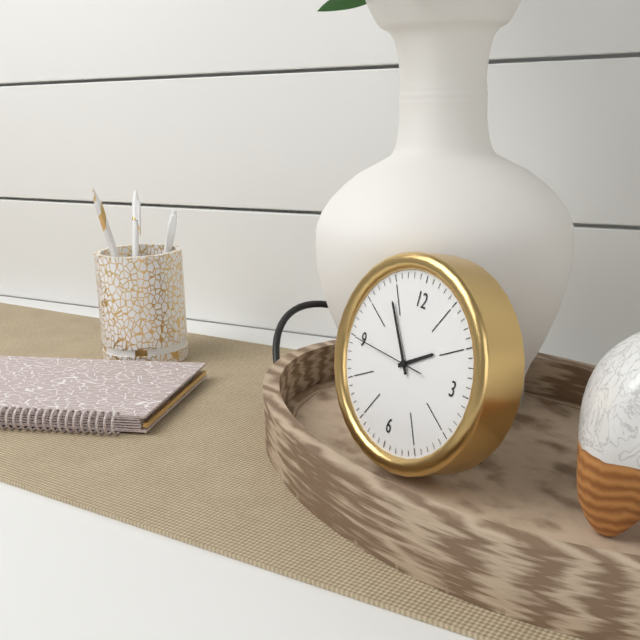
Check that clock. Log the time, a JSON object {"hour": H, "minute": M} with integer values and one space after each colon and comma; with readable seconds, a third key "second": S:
{"hour": 1, "minute": 54, "second": 45}
